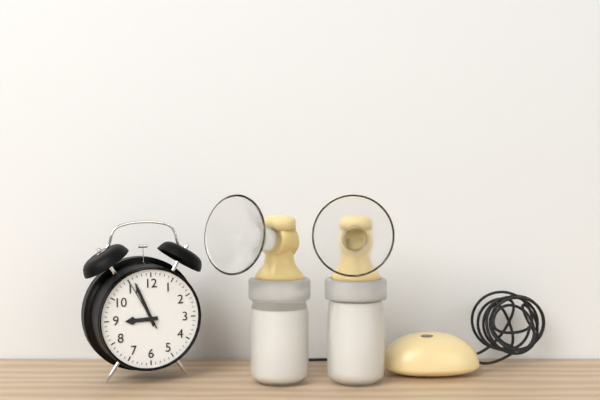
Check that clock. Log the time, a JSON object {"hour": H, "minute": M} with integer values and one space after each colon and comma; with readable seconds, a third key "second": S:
{"hour": 8, "minute": 56, "second": 55}
